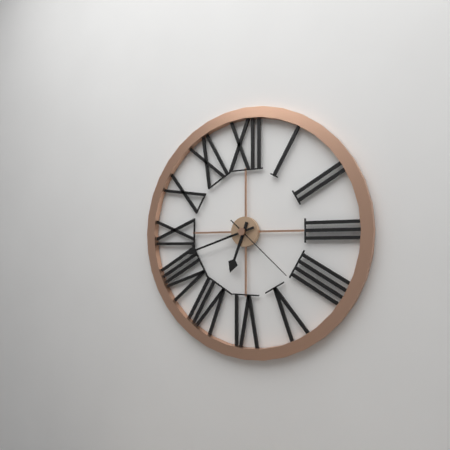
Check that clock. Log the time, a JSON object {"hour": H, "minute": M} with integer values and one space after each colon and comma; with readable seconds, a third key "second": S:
{"hour": 6, "minute": 42, "second": 22}
